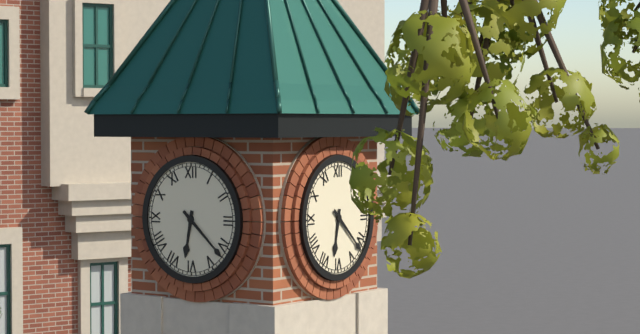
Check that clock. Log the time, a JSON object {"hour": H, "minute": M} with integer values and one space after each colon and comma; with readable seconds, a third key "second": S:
{"hour": 6, "minute": 22}
